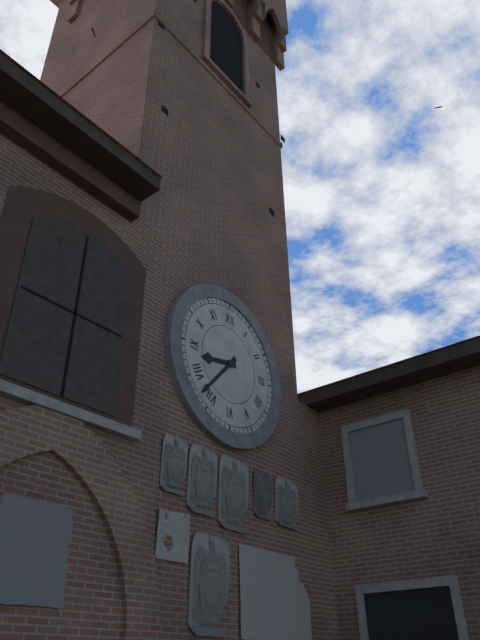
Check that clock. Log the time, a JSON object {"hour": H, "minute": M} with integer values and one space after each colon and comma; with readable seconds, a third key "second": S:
{"hour": 8, "minute": 37}
